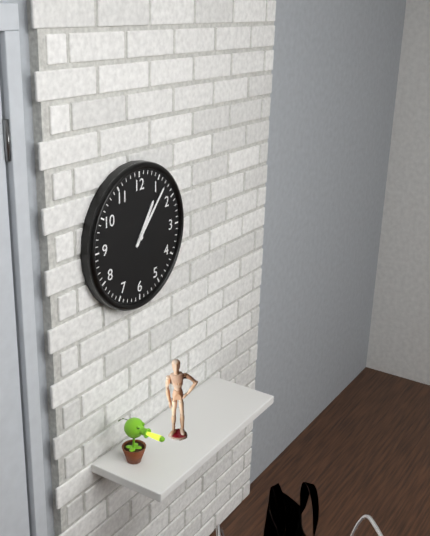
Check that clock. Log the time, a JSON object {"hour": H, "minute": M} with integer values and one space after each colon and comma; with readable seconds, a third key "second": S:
{"hour": 1, "minute": 7}
